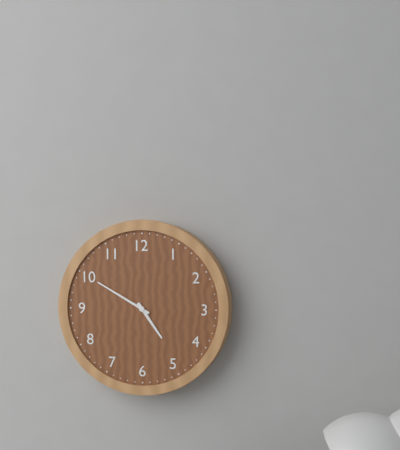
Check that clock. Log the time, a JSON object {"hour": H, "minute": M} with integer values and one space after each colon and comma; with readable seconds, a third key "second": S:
{"hour": 4, "minute": 50}
